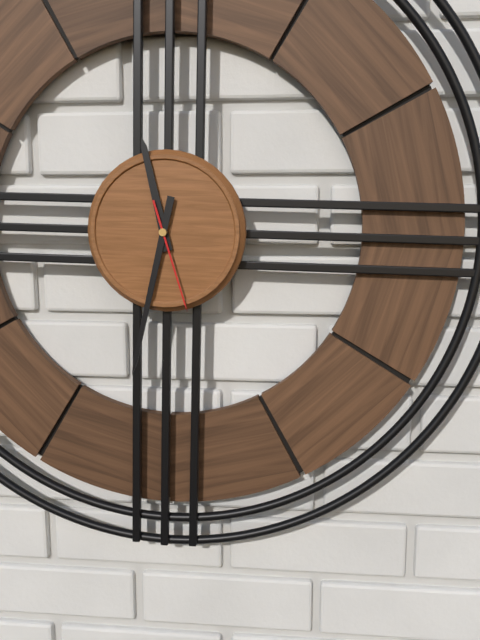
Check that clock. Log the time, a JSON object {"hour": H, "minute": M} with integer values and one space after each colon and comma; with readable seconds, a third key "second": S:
{"hour": 11, "minute": 32, "second": 27}
